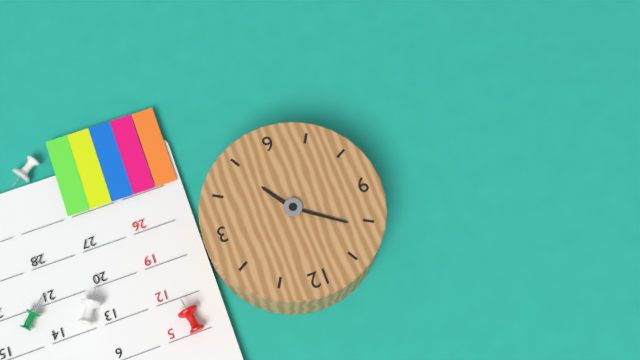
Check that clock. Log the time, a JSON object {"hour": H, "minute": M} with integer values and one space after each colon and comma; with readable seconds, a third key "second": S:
{"hour": 4, "minute": 51}
